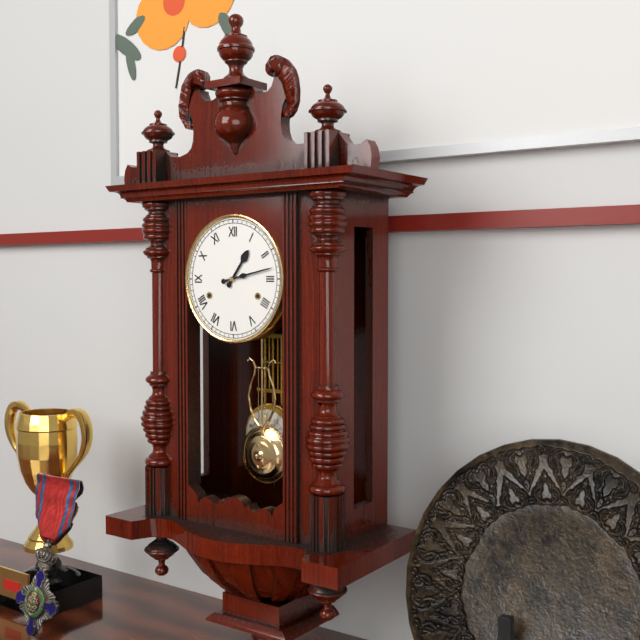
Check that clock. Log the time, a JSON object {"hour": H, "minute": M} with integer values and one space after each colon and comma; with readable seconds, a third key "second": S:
{"hour": 1, "minute": 13}
